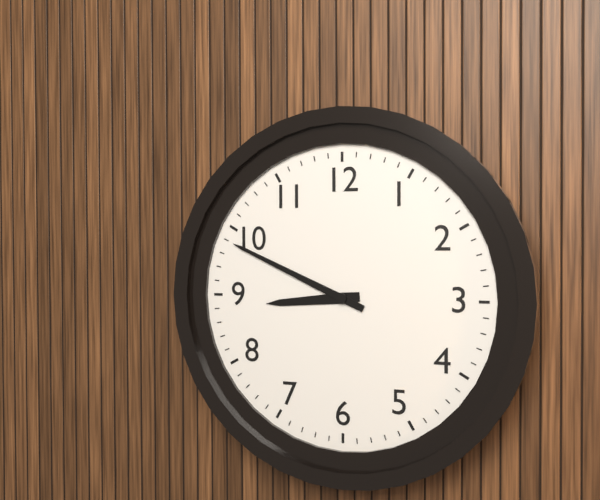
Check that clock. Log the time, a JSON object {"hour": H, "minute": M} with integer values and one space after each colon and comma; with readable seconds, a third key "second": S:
{"hour": 8, "minute": 49}
